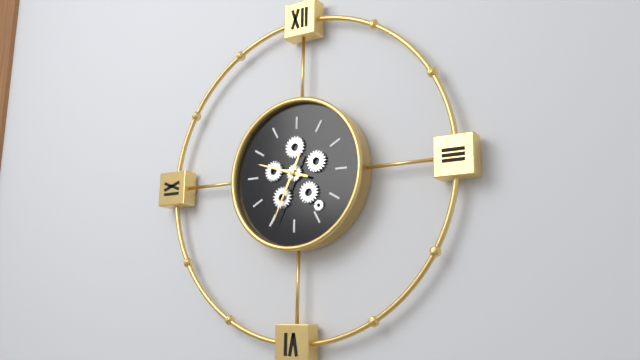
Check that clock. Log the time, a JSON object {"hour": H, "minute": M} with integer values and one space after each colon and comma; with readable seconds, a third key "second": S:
{"hour": 9, "minute": 34}
